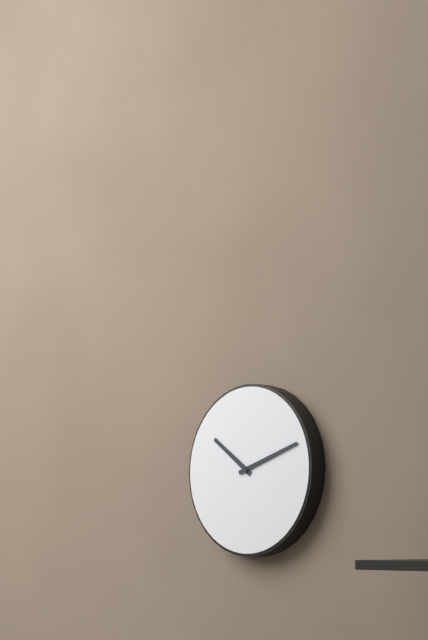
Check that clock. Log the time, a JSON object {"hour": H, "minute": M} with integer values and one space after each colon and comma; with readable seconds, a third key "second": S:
{"hour": 10, "minute": 12}
